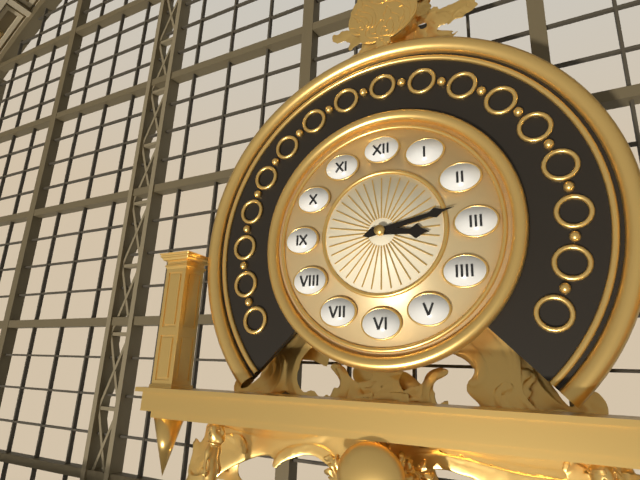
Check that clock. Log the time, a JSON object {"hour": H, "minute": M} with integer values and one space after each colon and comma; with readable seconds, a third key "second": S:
{"hour": 3, "minute": 13}
